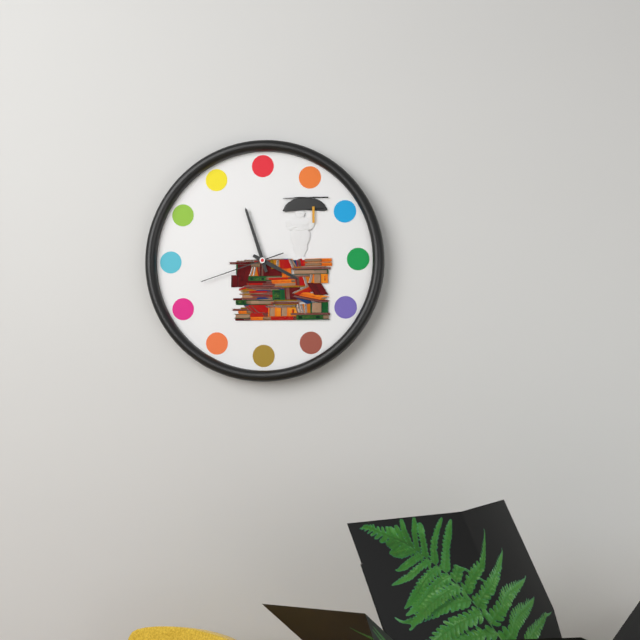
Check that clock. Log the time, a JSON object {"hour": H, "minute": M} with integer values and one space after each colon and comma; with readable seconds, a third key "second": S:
{"hour": 3, "minute": 57, "second": 42}
